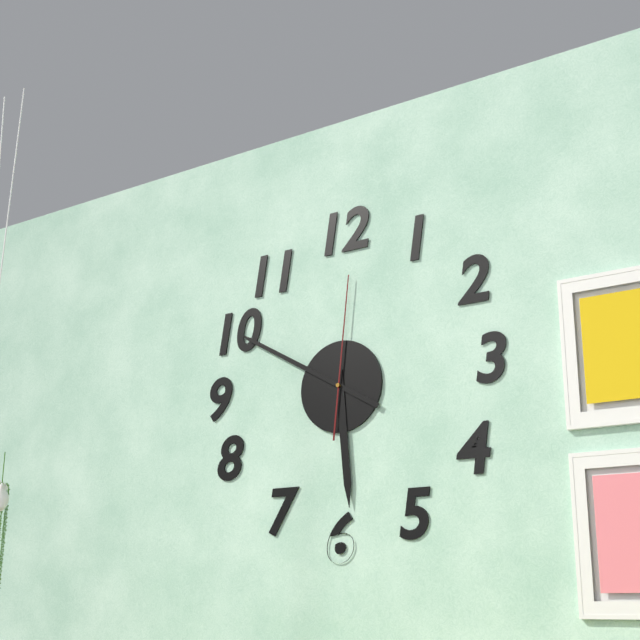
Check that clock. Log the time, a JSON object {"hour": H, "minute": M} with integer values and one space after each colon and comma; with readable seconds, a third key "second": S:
{"hour": 5, "minute": 50, "second": 1}
